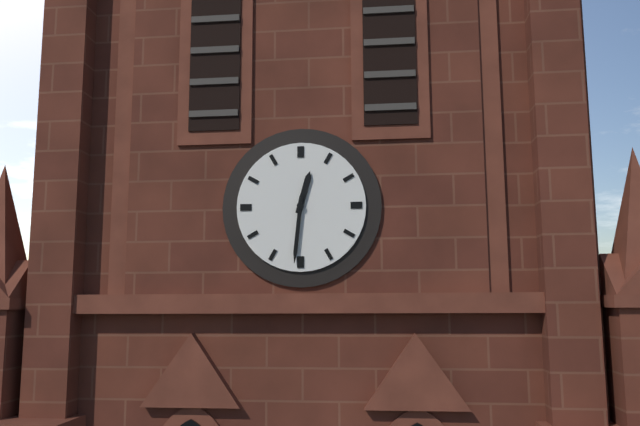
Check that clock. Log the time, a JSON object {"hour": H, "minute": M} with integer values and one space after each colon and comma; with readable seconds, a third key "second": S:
{"hour": 12, "minute": 31}
